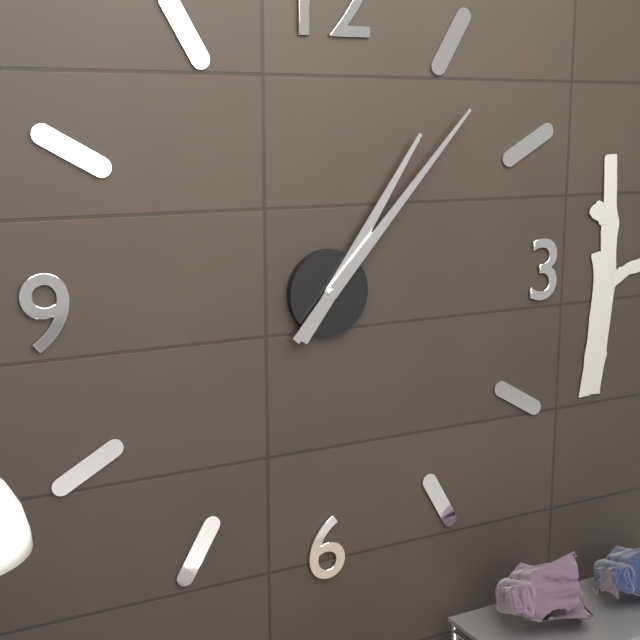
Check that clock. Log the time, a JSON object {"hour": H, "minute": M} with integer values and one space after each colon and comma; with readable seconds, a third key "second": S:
{"hour": 1, "minute": 7}
